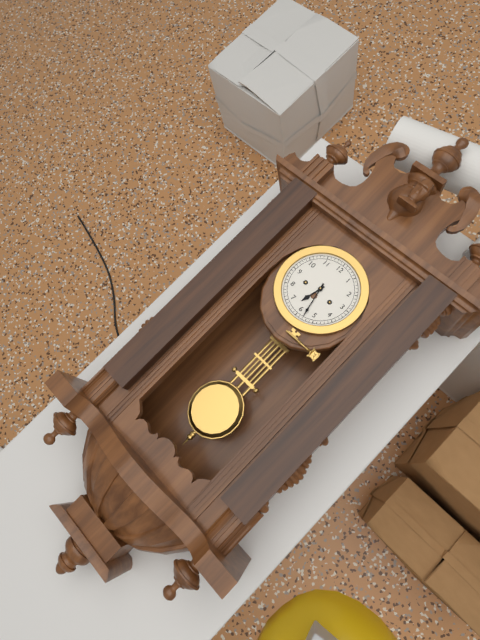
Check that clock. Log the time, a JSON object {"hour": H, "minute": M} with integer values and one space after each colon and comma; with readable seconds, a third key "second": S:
{"hour": 6, "minute": 28}
